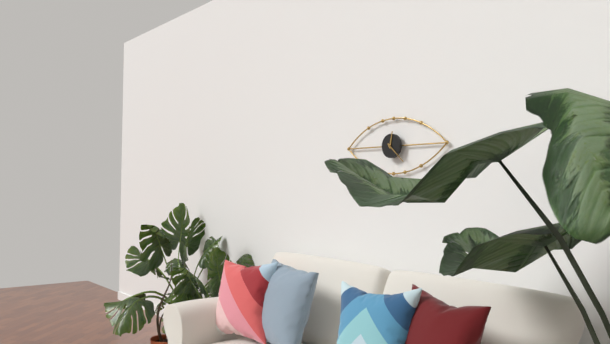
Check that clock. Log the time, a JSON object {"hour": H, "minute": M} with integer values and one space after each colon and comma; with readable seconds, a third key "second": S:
{"hour": 12, "minute": 22}
